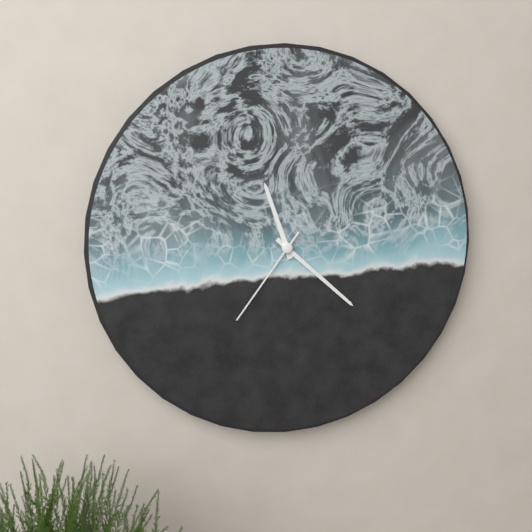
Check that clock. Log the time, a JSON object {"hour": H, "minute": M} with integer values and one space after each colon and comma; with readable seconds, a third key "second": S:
{"hour": 11, "minute": 22, "second": 36}
